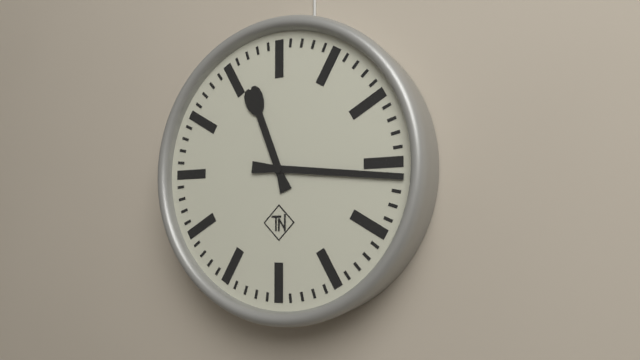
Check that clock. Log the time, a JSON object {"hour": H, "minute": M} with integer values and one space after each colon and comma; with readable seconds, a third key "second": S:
{"hour": 11, "minute": 16}
